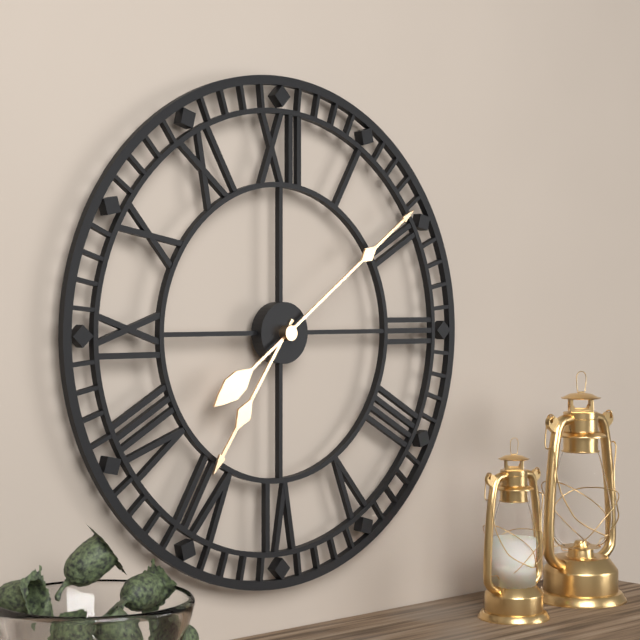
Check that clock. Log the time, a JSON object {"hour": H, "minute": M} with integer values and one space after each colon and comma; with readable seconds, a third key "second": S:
{"hour": 7, "minute": 9}
